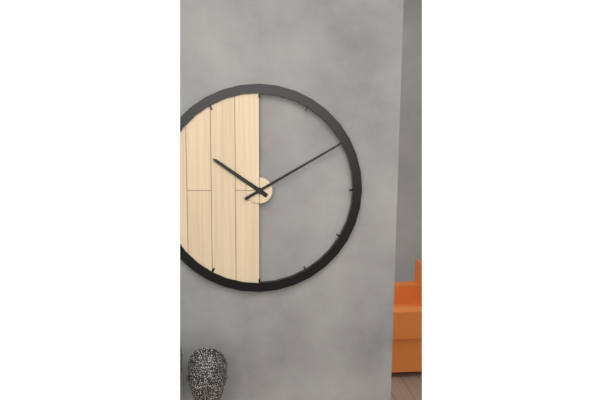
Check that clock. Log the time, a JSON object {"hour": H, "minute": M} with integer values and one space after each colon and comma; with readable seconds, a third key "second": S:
{"hour": 10, "minute": 10}
